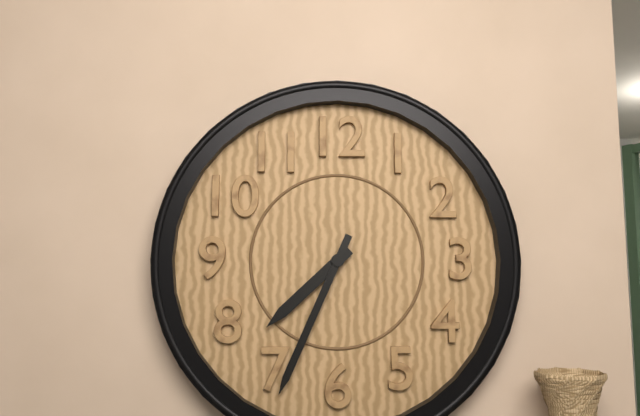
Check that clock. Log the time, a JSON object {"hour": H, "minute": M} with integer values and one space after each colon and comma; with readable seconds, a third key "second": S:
{"hour": 7, "minute": 34}
